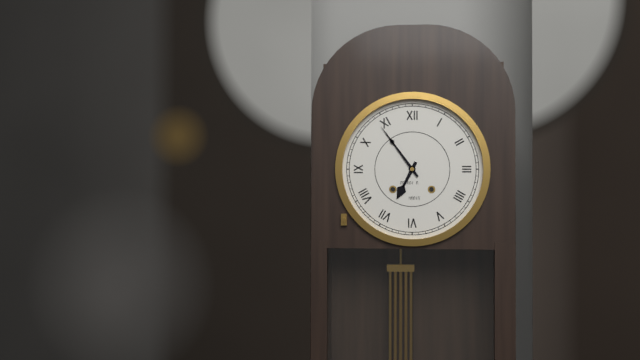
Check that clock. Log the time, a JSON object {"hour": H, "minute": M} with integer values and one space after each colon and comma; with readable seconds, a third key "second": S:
{"hour": 6, "minute": 54}
